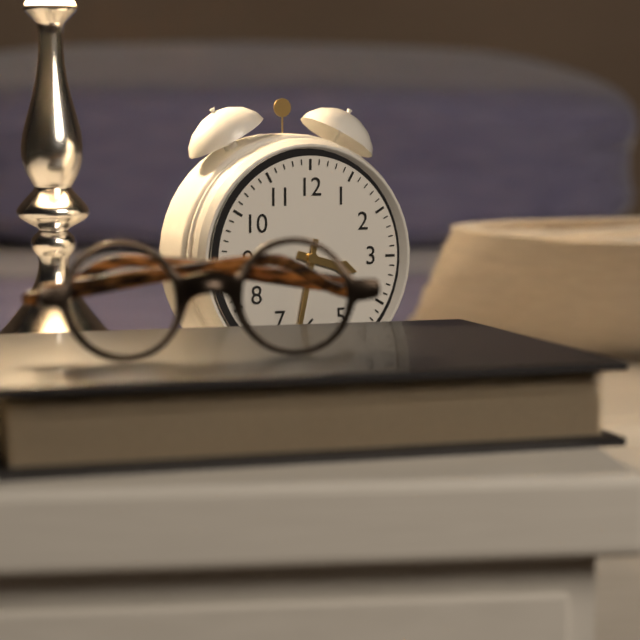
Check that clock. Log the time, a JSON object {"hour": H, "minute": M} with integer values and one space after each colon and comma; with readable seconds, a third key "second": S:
{"hour": 3, "minute": 32}
